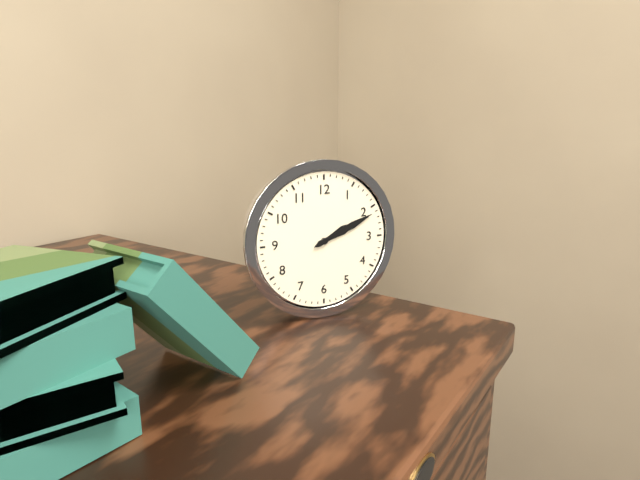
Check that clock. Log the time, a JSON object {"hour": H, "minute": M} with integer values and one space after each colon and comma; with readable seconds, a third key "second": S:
{"hour": 2, "minute": 11}
